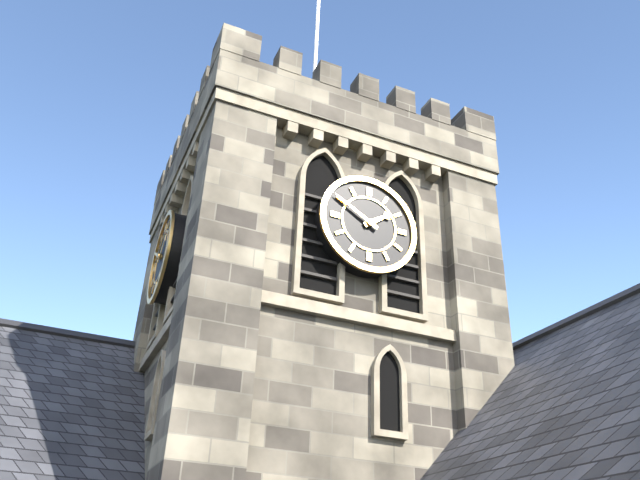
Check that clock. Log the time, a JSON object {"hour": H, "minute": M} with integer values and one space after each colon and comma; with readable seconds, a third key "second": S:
{"hour": 1, "minute": 50}
